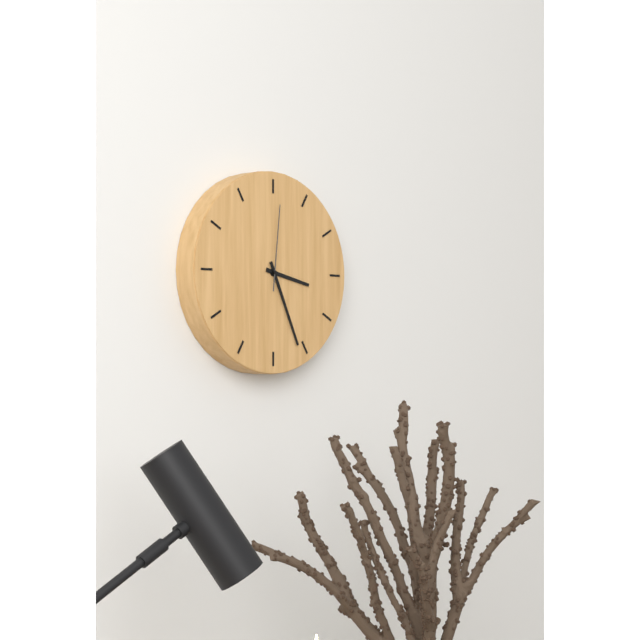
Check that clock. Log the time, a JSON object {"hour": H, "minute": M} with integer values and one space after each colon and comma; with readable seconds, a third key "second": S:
{"hour": 3, "minute": 26, "second": 1}
